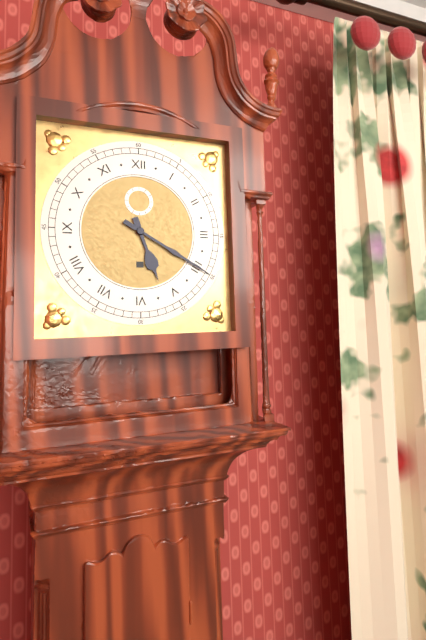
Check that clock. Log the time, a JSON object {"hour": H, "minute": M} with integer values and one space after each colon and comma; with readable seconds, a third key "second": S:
{"hour": 5, "minute": 20}
